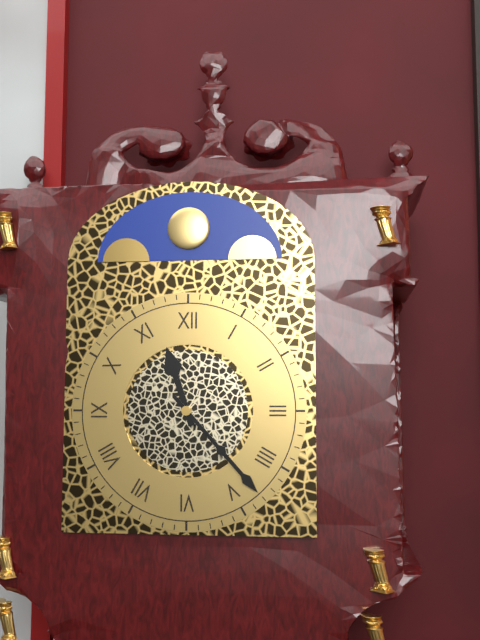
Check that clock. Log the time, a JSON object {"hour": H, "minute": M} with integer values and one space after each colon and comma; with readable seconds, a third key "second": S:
{"hour": 11, "minute": 23}
